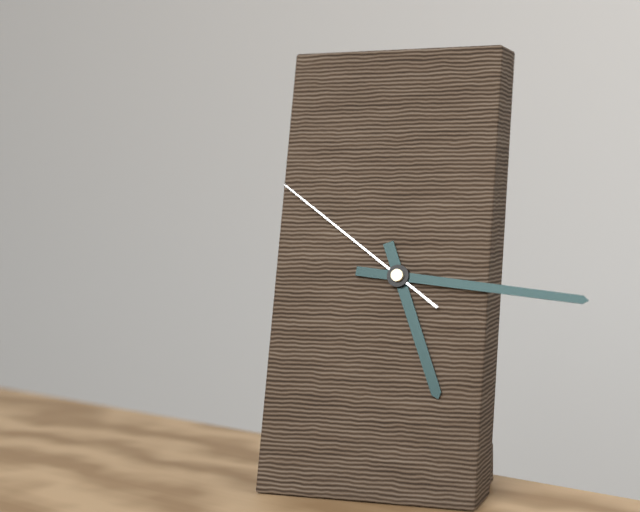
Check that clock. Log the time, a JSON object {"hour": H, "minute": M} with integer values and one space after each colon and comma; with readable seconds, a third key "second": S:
{"hour": 5, "minute": 16, "second": 51}
